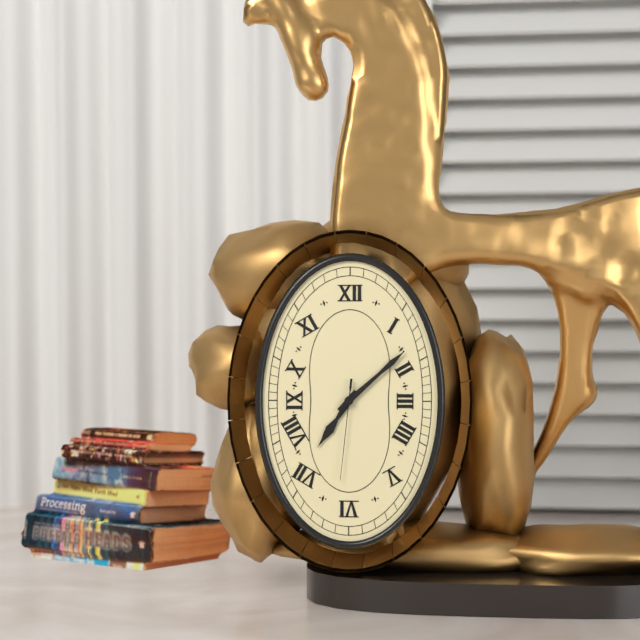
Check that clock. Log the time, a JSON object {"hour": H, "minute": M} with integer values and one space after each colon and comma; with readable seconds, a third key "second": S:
{"hour": 7, "minute": 8, "second": 31}
